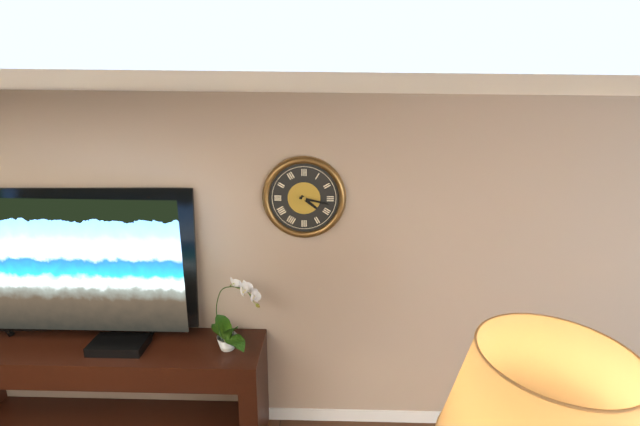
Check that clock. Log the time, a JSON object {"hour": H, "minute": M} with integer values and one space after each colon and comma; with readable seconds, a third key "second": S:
{"hour": 4, "minute": 17}
